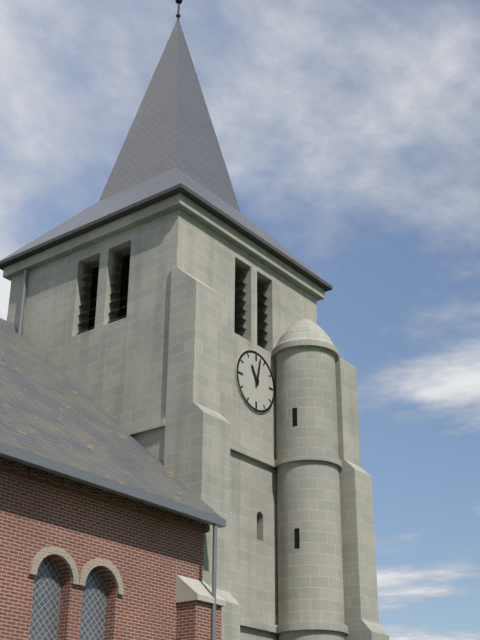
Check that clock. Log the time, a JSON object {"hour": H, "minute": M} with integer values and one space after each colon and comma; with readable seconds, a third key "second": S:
{"hour": 11, "minute": 2}
